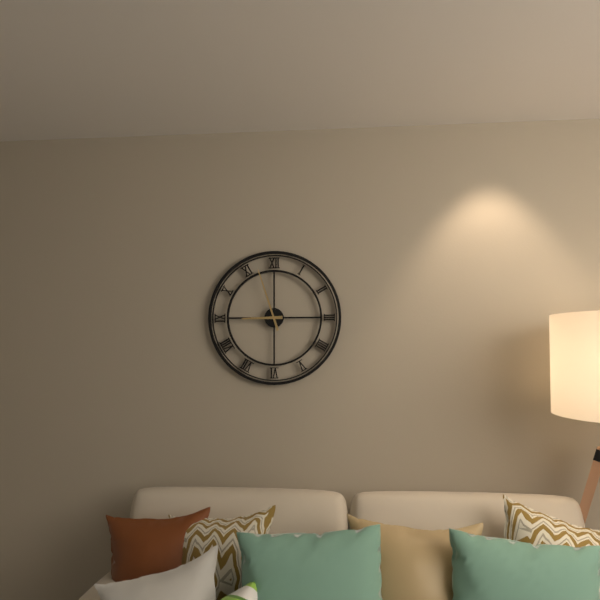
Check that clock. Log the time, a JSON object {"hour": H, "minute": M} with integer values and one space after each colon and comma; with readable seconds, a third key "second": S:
{"hour": 8, "minute": 57}
